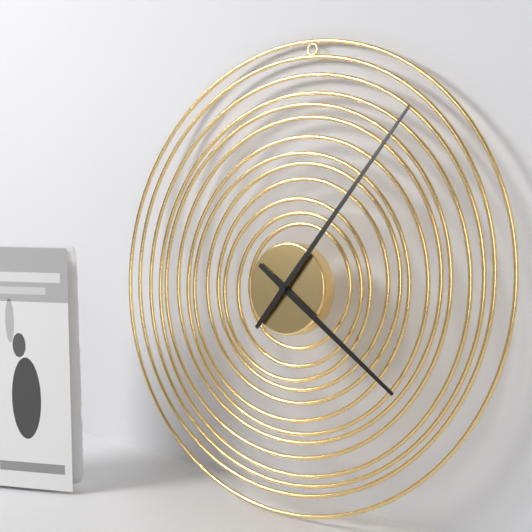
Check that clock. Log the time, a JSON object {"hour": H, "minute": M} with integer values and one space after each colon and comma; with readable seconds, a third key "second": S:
{"hour": 4, "minute": 6}
